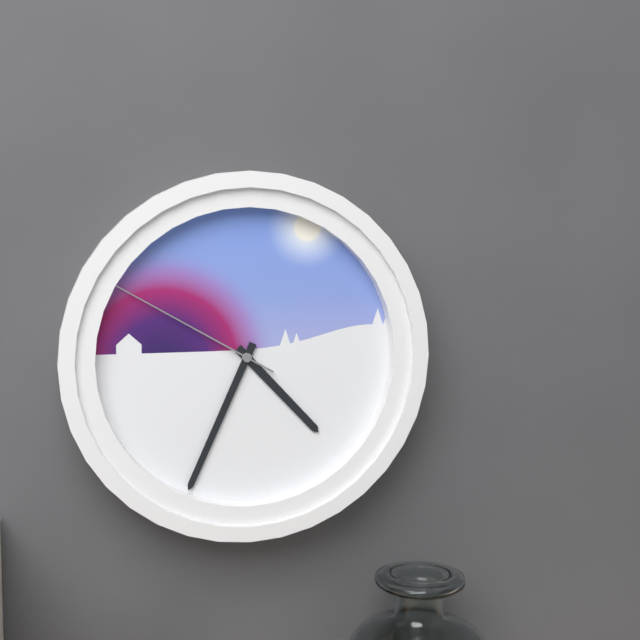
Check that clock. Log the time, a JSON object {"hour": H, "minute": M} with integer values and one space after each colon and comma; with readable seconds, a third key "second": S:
{"hour": 4, "minute": 34, "second": 50}
